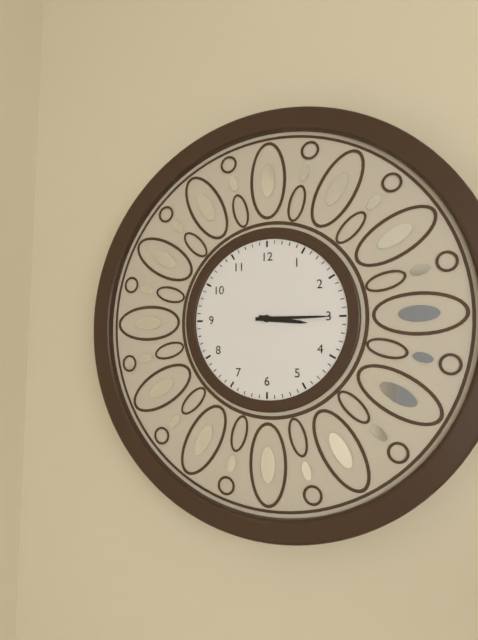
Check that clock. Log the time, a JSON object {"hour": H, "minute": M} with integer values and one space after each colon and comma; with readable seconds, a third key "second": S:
{"hour": 3, "minute": 15}
